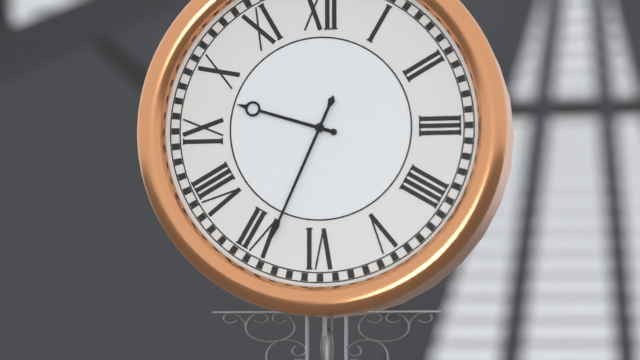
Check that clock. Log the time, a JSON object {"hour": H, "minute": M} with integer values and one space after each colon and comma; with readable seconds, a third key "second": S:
{"hour": 9, "minute": 34}
